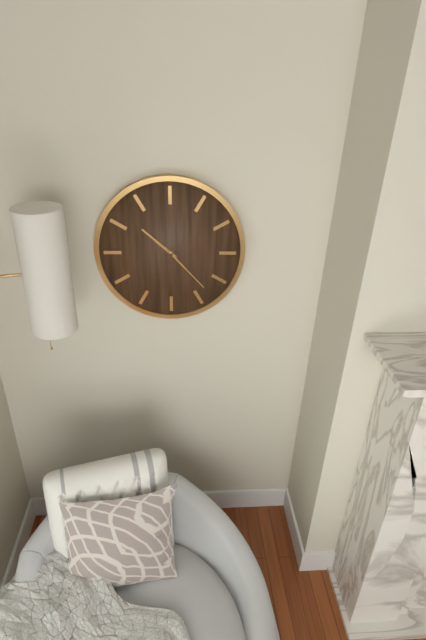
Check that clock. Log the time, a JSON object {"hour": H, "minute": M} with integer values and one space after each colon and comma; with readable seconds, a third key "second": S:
{"hour": 10, "minute": 23}
